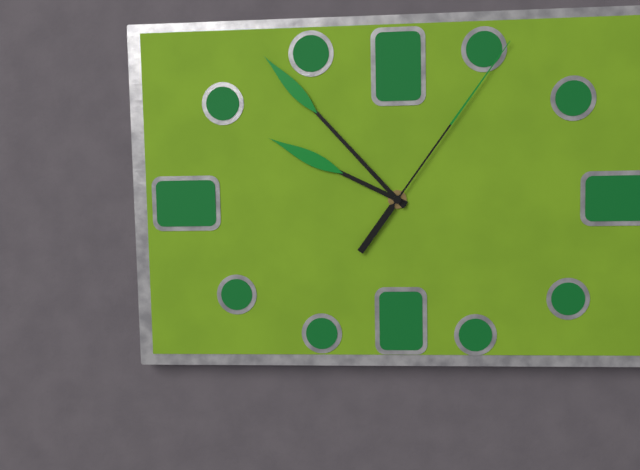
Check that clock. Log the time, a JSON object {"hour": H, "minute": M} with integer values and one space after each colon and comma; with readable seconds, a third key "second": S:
{"hour": 9, "minute": 53, "second": 6}
